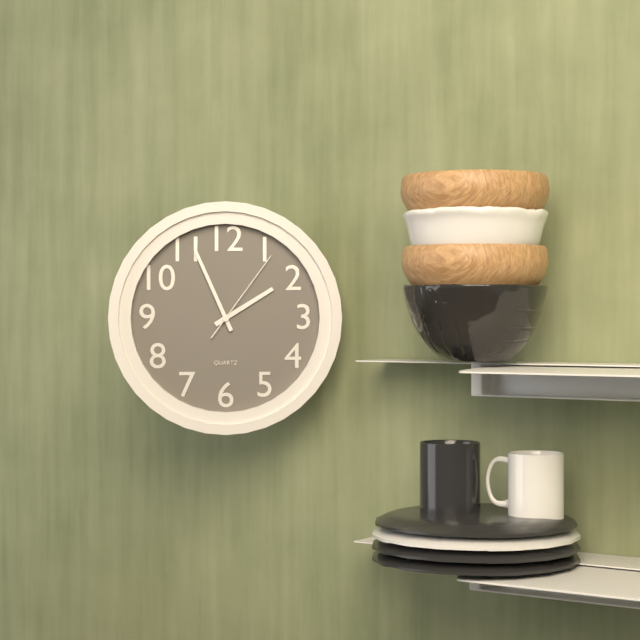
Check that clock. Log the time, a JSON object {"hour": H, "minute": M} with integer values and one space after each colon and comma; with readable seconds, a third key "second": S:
{"hour": 1, "minute": 56, "second": 6}
